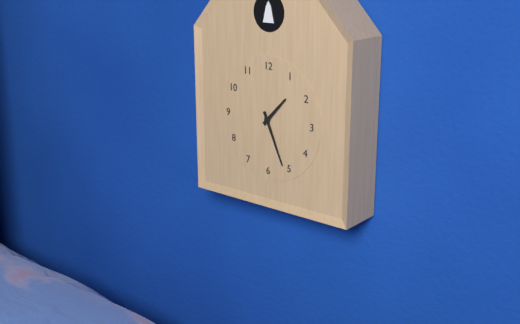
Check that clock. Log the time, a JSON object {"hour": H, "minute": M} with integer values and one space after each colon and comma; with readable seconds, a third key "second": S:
{"hour": 1, "minute": 26}
